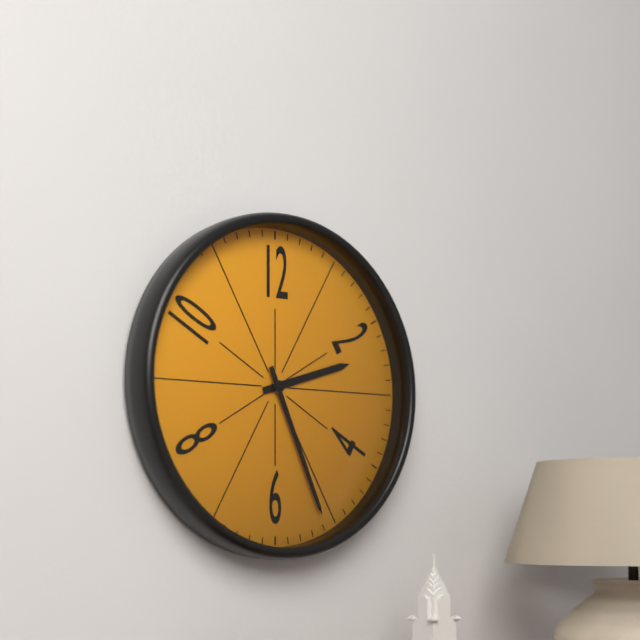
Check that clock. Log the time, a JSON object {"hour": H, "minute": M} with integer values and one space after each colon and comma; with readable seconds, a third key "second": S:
{"hour": 2, "minute": 26}
